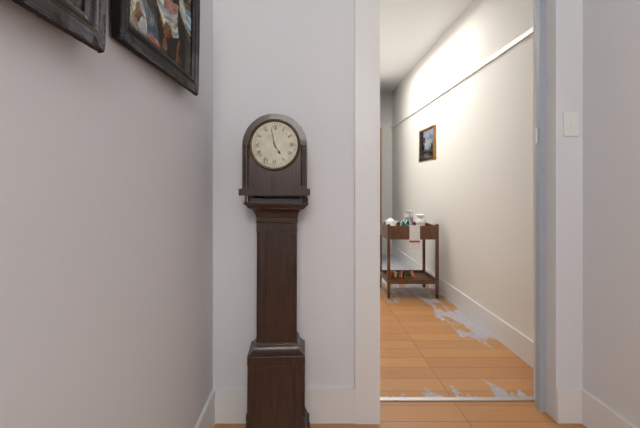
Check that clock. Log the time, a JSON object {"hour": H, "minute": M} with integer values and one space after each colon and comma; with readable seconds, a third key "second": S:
{"hour": 4, "minute": 58}
